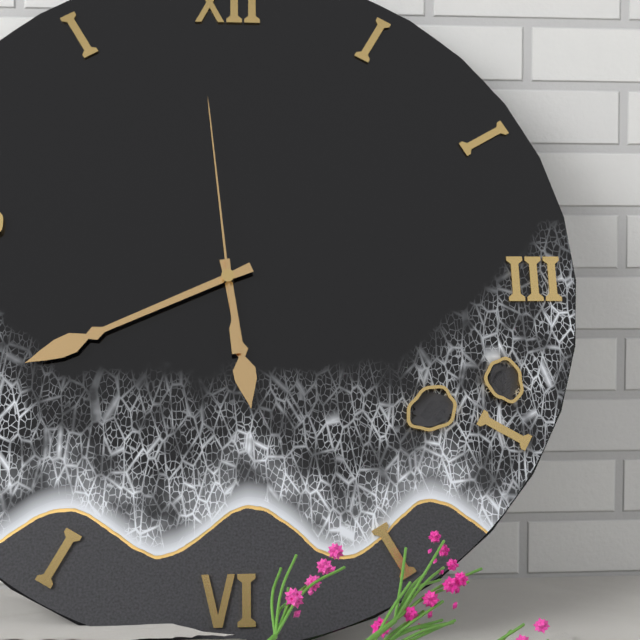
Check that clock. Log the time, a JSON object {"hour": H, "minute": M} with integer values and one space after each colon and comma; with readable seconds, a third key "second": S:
{"hour": 5, "minute": 41, "second": 59}
